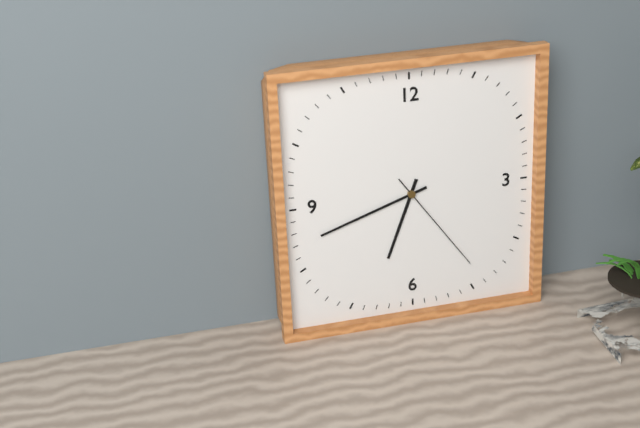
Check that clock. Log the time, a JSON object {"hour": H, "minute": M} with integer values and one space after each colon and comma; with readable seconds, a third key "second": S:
{"hour": 6, "minute": 42, "second": 24}
